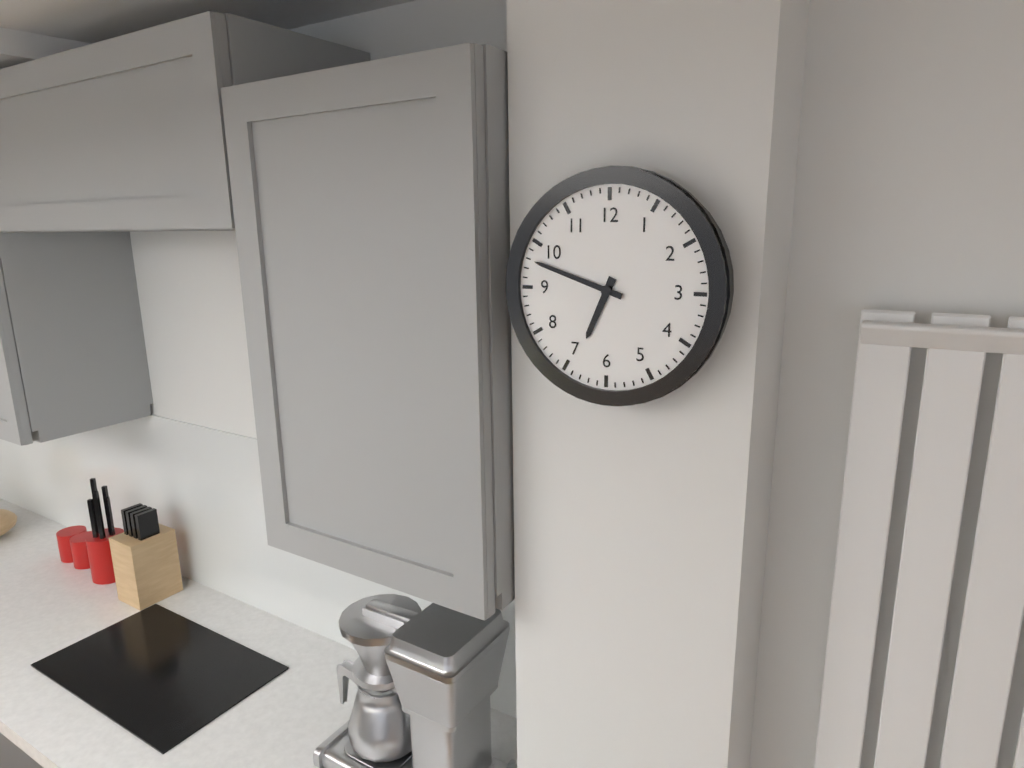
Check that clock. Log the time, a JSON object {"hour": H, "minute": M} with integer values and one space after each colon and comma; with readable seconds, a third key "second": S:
{"hour": 6, "minute": 48}
